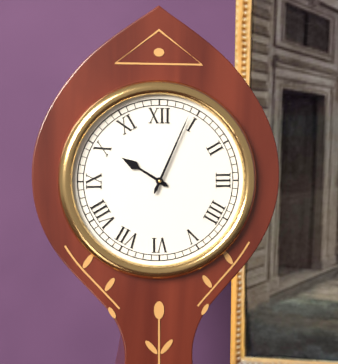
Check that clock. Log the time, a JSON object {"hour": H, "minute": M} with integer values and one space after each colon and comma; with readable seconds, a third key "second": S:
{"hour": 10, "minute": 4}
